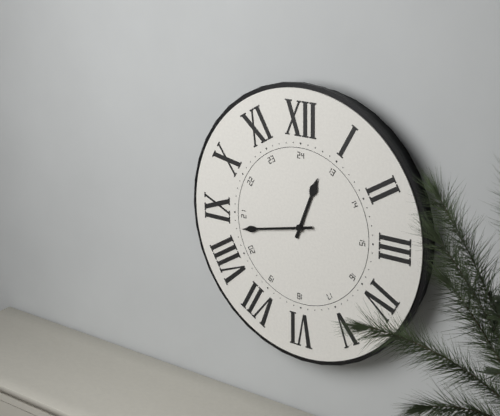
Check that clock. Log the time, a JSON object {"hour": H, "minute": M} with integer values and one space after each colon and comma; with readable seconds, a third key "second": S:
{"hour": 12, "minute": 43}
